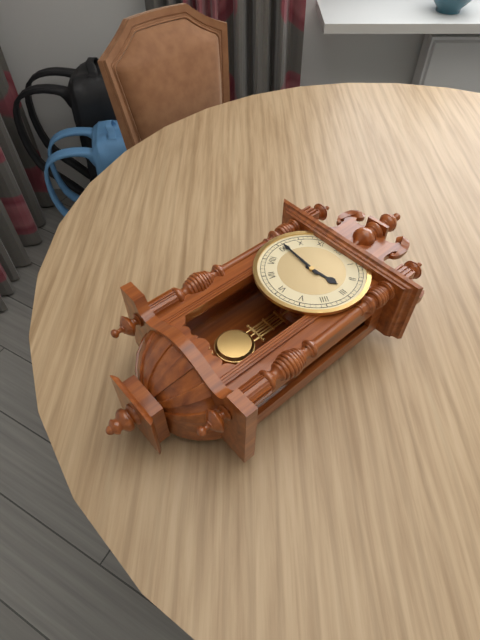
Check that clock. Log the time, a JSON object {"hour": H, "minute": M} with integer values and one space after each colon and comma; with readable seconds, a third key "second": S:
{"hour": 2, "minute": 46}
